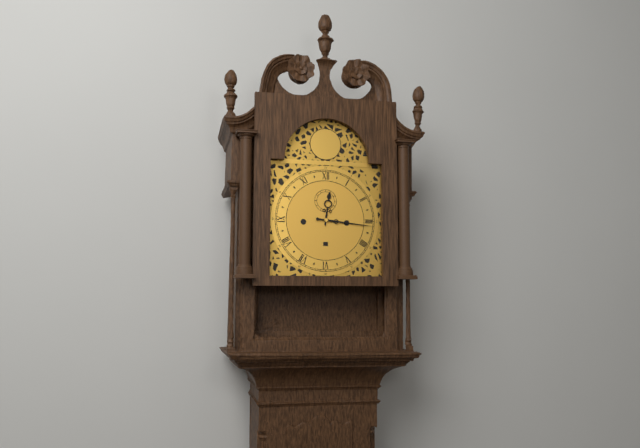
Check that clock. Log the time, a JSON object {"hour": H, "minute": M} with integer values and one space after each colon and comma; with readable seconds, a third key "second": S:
{"hour": 12, "minute": 16}
